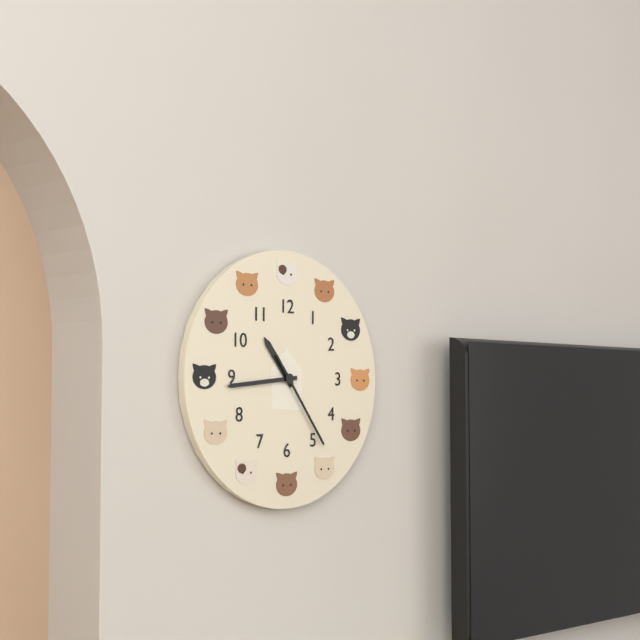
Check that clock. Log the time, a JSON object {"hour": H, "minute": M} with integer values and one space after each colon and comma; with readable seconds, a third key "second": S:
{"hour": 10, "minute": 44, "second": 24}
